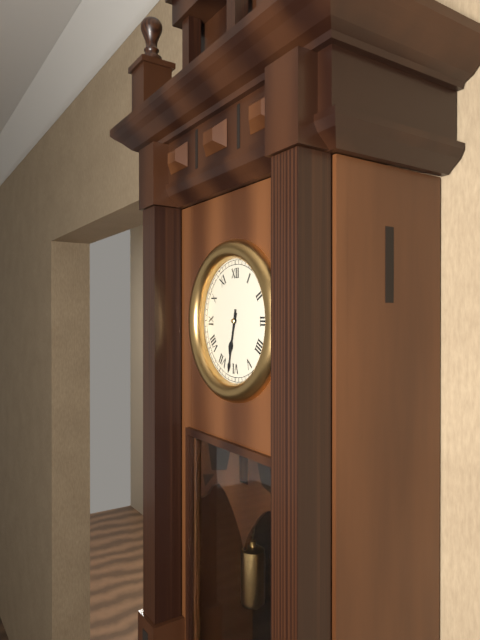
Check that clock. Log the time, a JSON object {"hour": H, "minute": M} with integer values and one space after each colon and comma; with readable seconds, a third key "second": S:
{"hour": 6, "minute": 32}
